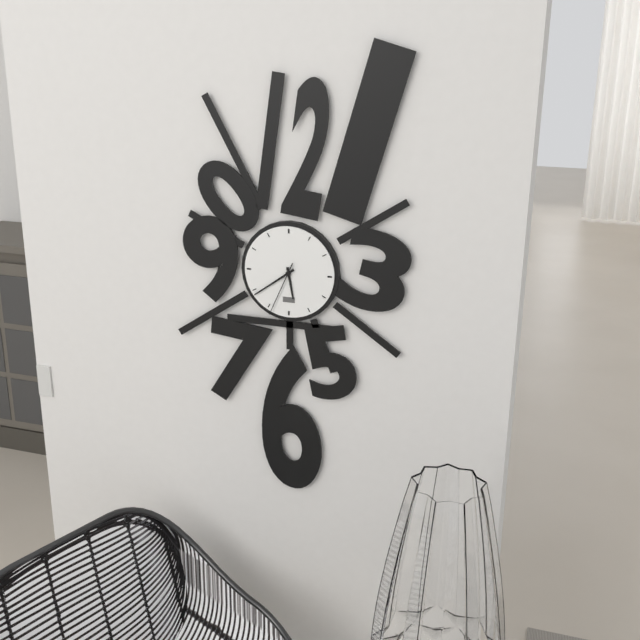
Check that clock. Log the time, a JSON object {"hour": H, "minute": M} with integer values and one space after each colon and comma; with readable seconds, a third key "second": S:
{"hour": 5, "minute": 39, "second": 34}
